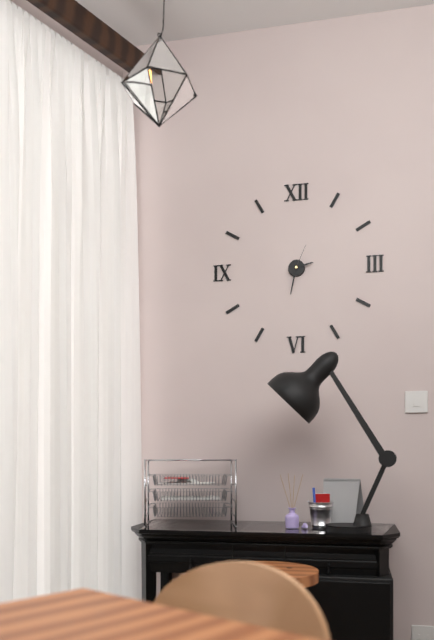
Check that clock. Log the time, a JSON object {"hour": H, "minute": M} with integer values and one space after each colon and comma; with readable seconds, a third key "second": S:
{"hour": 2, "minute": 32}
